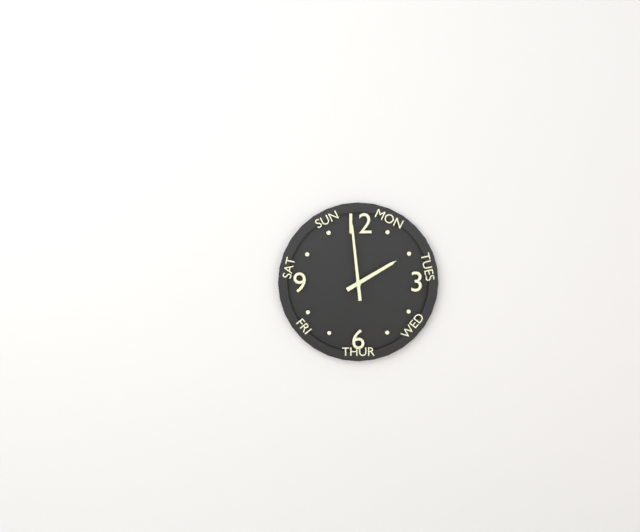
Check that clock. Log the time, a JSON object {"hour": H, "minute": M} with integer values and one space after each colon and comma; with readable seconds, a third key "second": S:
{"hour": 1, "minute": 59}
